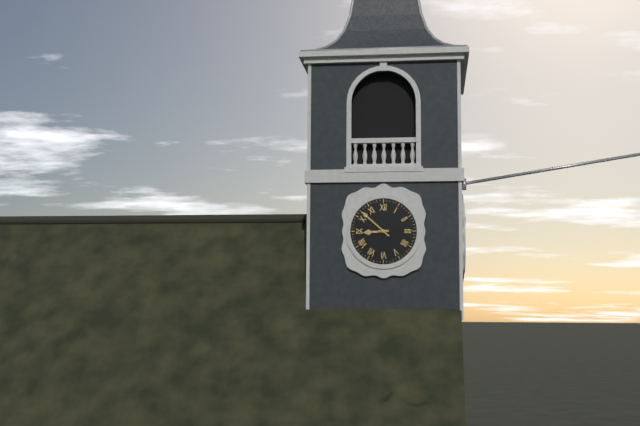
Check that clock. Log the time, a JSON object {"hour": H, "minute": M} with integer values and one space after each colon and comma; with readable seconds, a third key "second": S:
{"hour": 8, "minute": 52}
